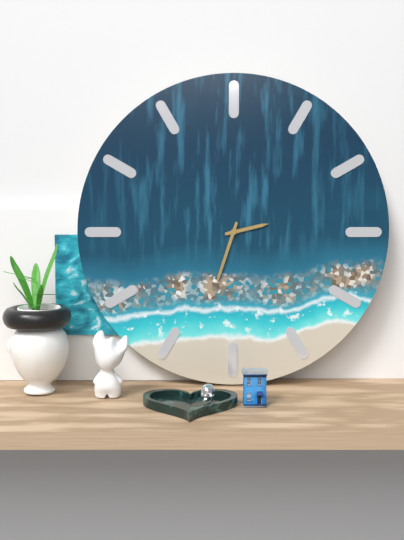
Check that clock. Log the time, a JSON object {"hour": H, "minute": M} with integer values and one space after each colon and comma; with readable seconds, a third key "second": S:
{"hour": 2, "minute": 33}
